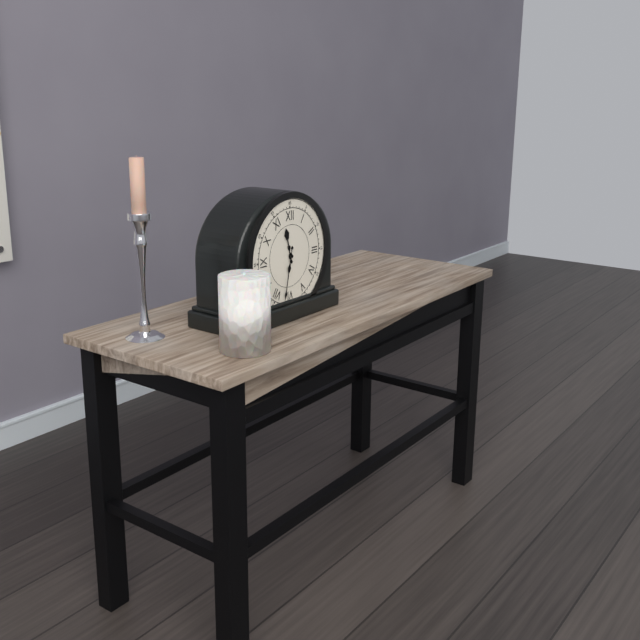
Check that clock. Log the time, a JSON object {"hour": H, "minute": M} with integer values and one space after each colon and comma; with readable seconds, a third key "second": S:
{"hour": 11, "minute": 32}
